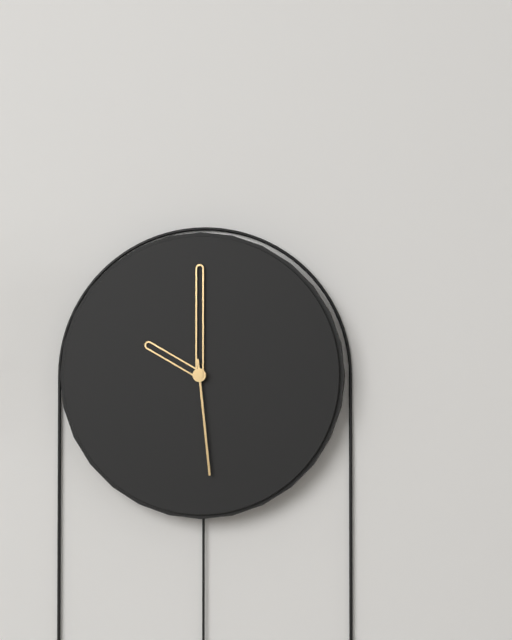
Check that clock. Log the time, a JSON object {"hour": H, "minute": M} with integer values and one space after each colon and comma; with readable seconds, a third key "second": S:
{"hour": 10, "minute": 0, "second": 29}
